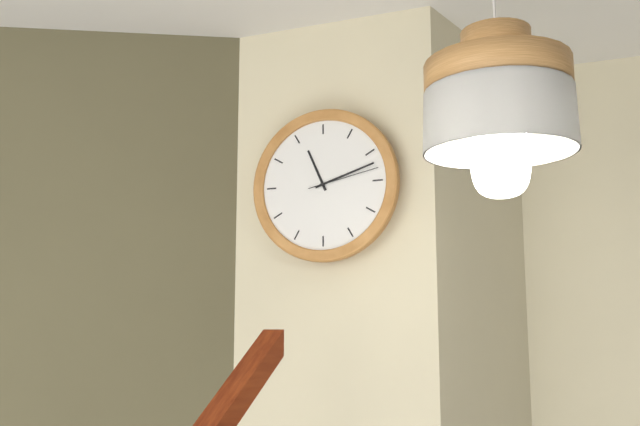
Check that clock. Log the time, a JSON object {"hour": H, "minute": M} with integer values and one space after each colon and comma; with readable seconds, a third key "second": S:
{"hour": 11, "minute": 12, "second": 13}
